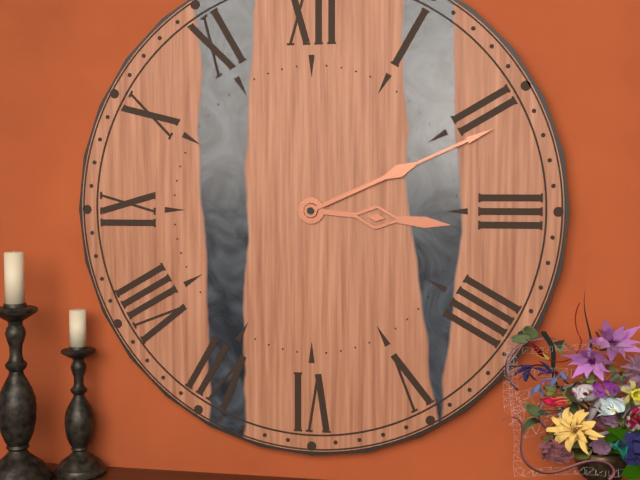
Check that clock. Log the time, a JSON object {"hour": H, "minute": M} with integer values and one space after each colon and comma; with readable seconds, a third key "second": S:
{"hour": 3, "minute": 11}
